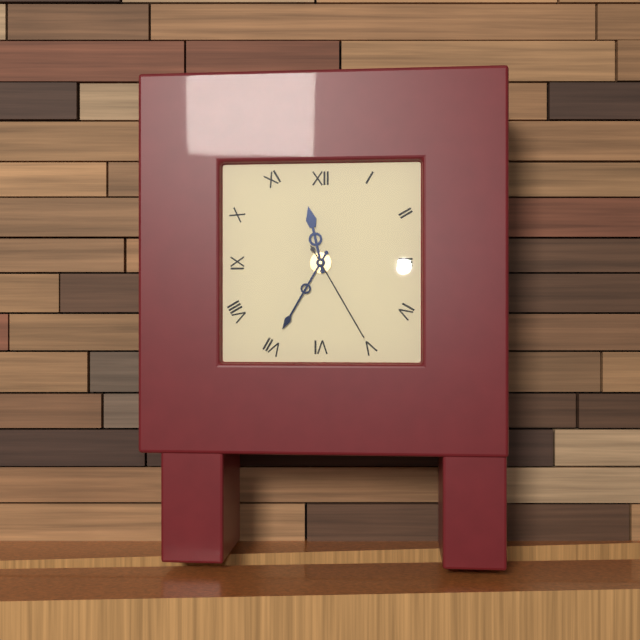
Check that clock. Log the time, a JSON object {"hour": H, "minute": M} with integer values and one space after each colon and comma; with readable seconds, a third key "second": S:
{"hour": 11, "minute": 35, "second": 25}
